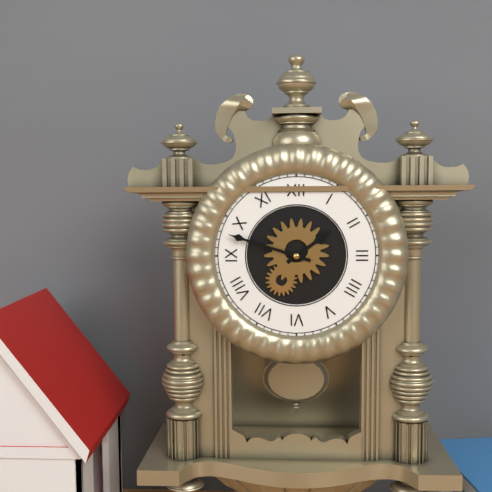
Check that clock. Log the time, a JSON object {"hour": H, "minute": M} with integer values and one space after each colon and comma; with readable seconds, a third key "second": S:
{"hour": 1, "minute": 48}
